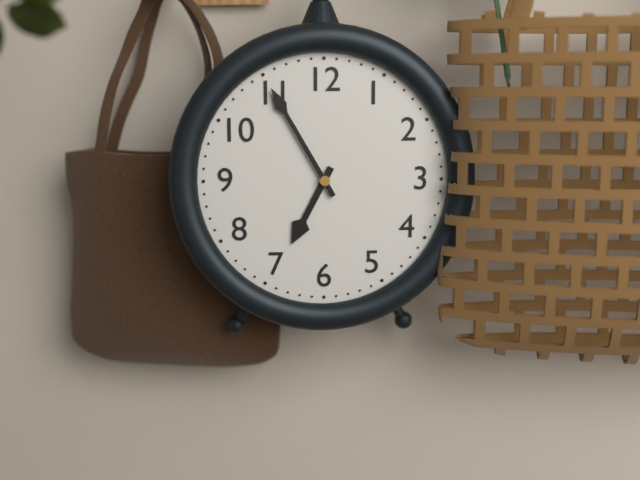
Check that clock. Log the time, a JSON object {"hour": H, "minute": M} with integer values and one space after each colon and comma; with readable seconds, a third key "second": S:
{"hour": 6, "minute": 55}
